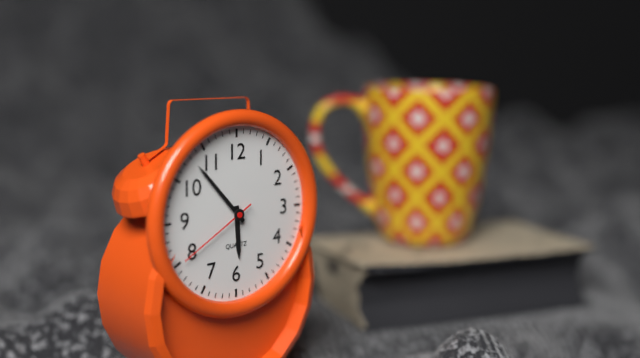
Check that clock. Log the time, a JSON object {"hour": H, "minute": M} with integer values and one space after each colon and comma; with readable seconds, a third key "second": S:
{"hour": 5, "minute": 53, "second": 40}
